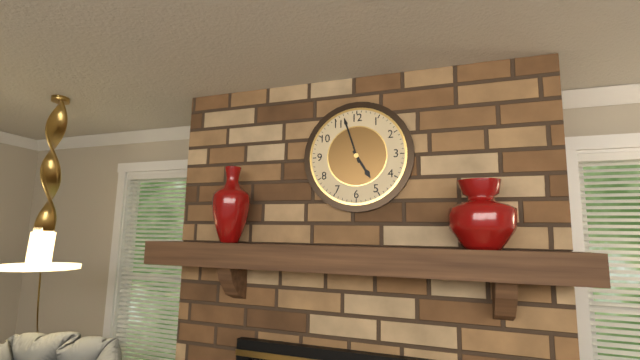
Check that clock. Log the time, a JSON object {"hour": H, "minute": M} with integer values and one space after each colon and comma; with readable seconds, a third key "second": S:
{"hour": 4, "minute": 57}
